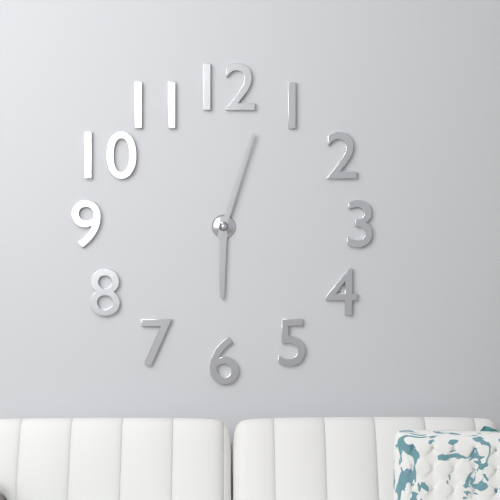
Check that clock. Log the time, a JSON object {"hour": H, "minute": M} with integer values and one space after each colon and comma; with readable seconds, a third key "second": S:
{"hour": 6, "minute": 3}
